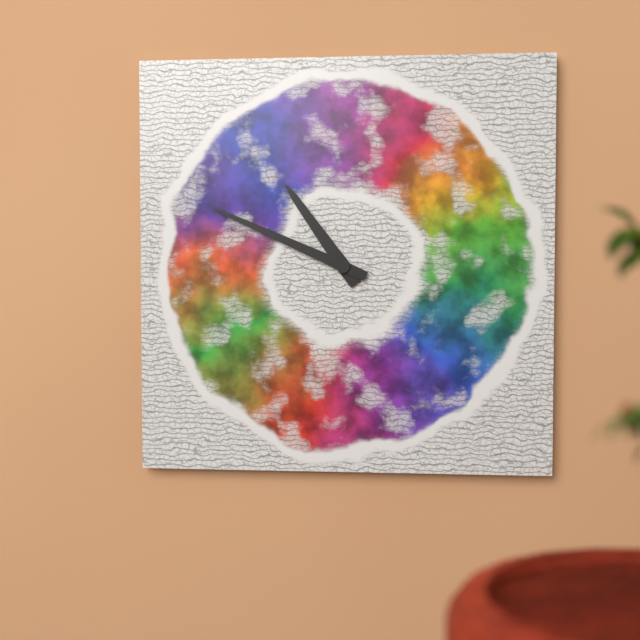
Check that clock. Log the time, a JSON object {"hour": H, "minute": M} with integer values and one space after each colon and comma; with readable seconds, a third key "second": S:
{"hour": 10, "minute": 49}
